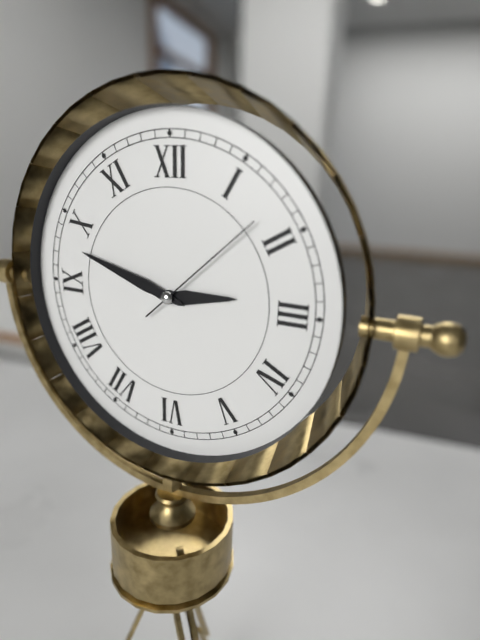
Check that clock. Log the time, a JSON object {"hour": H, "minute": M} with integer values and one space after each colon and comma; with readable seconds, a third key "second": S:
{"hour": 2, "minute": 48, "second": 8}
